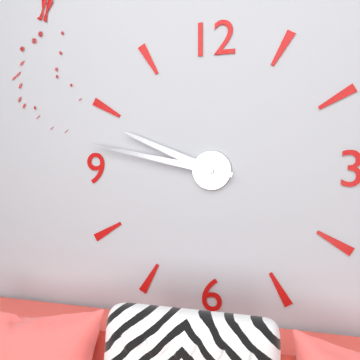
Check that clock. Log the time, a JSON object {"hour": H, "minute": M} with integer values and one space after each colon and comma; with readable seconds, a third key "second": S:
{"hour": 9, "minute": 47}
